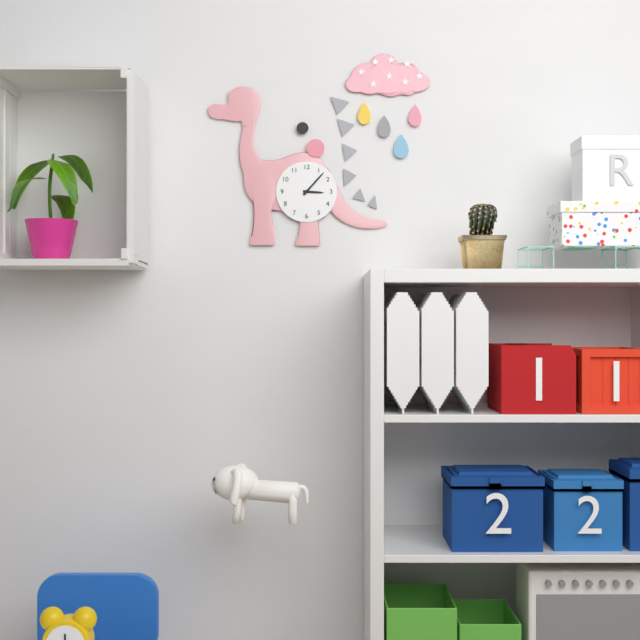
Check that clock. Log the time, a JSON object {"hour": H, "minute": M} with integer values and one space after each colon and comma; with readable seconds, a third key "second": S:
{"hour": 3, "minute": 7}
